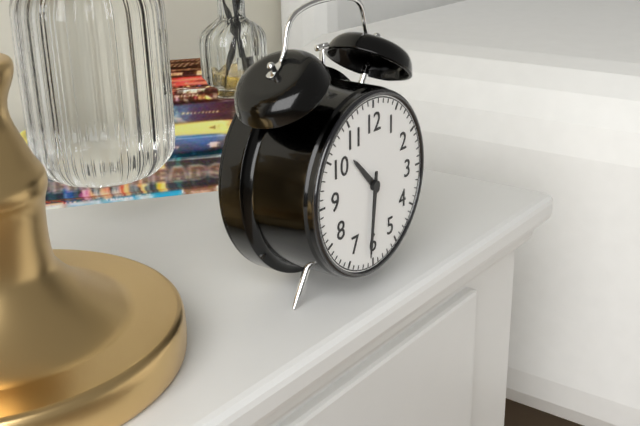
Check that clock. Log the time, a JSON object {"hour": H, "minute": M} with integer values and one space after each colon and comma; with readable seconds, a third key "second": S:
{"hour": 10, "minute": 31}
